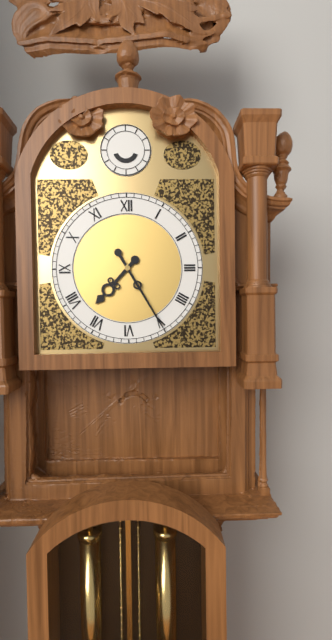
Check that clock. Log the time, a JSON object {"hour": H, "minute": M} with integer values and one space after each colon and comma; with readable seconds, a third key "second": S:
{"hour": 7, "minute": 25}
